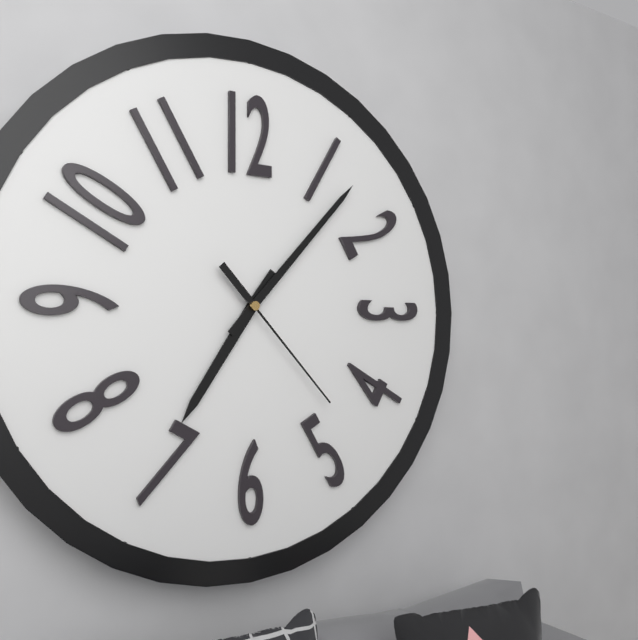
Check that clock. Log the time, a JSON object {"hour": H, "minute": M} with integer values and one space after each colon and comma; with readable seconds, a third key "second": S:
{"hour": 7, "minute": 7, "second": 23}
